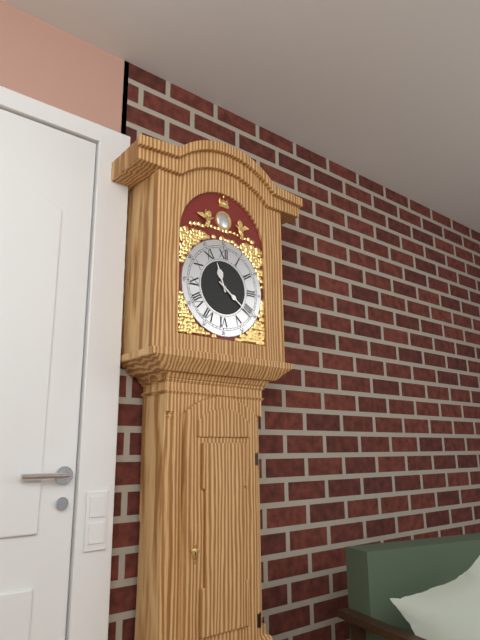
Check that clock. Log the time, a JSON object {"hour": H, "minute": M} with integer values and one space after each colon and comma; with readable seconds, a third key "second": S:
{"hour": 11, "minute": 21}
